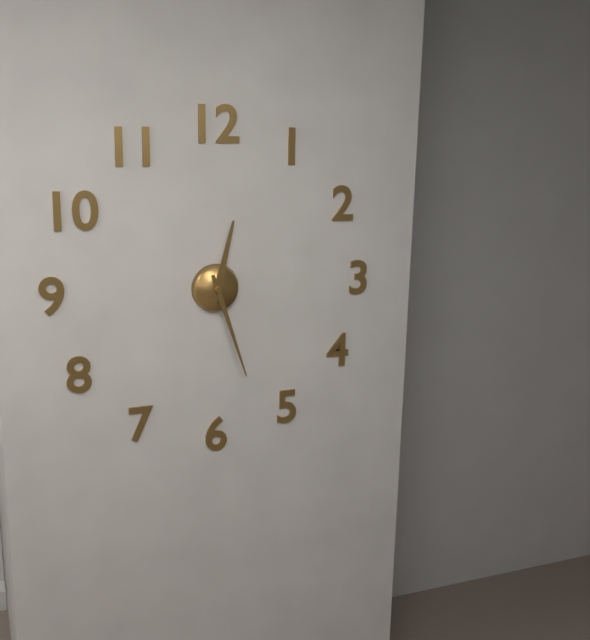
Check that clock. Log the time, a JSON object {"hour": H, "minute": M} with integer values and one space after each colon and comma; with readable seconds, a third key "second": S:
{"hour": 12, "minute": 27}
